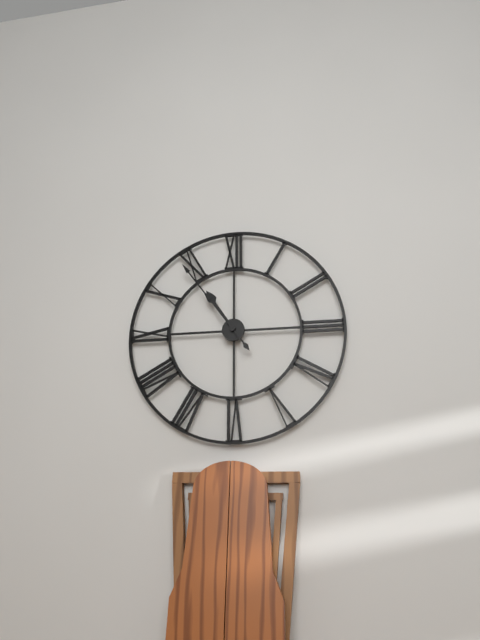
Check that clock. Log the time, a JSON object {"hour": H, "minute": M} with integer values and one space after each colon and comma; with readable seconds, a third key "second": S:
{"hour": 10, "minute": 54}
